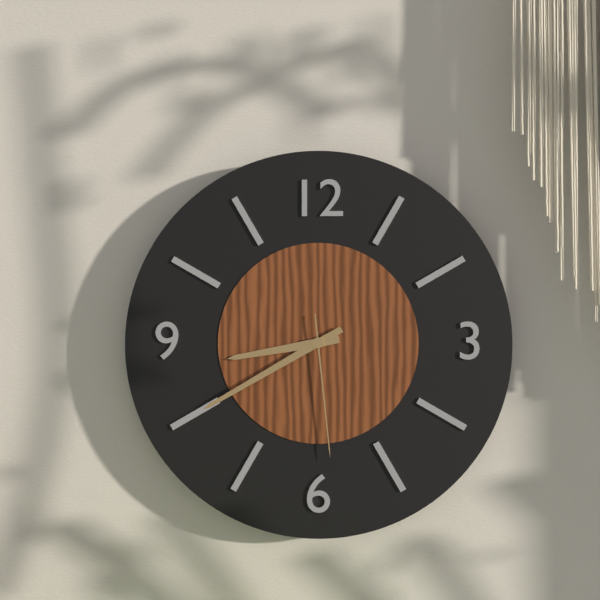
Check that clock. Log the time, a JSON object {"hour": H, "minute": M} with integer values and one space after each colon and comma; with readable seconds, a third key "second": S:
{"hour": 8, "minute": 40, "second": 29}
